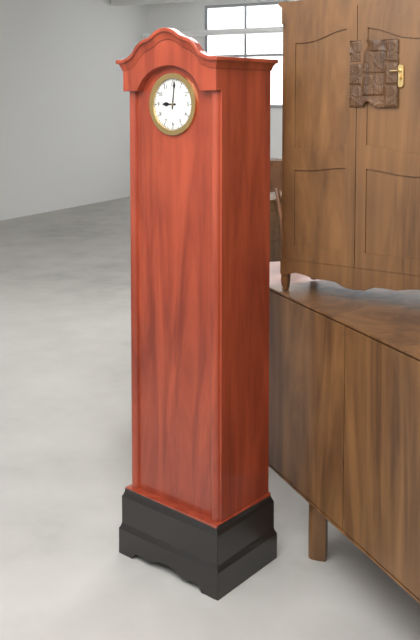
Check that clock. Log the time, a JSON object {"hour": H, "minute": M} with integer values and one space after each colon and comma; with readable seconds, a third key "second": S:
{"hour": 9, "minute": 1}
